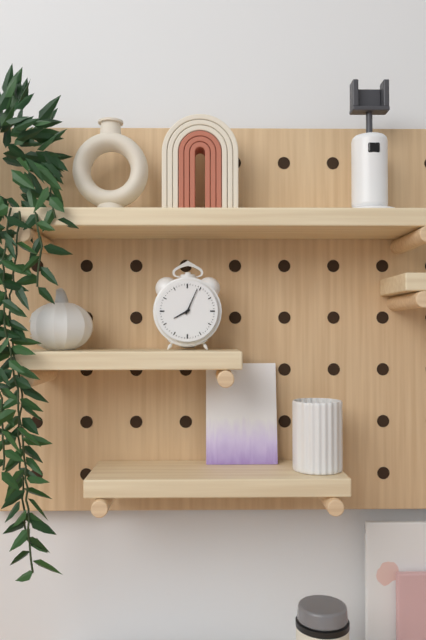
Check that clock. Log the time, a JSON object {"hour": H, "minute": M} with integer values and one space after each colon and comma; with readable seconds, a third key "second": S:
{"hour": 8, "minute": 4}
